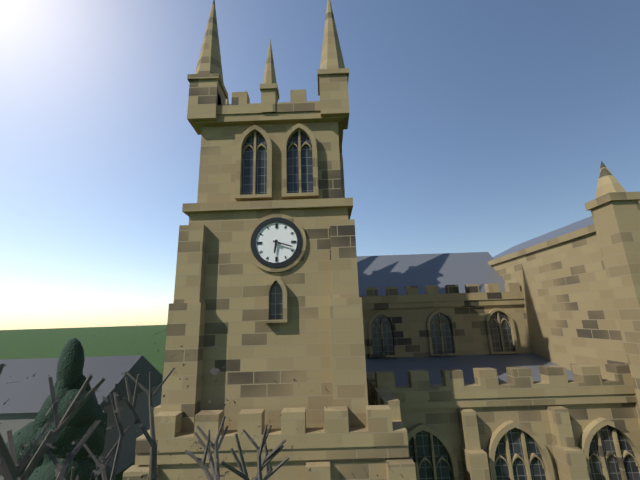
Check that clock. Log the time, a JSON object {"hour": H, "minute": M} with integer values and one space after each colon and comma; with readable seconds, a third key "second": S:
{"hour": 6, "minute": 18}
